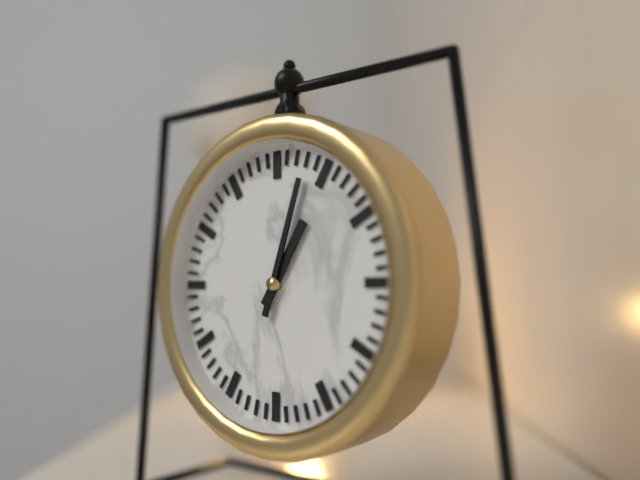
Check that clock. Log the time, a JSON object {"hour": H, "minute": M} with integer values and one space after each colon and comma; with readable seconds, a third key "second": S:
{"hour": 1, "minute": 3}
